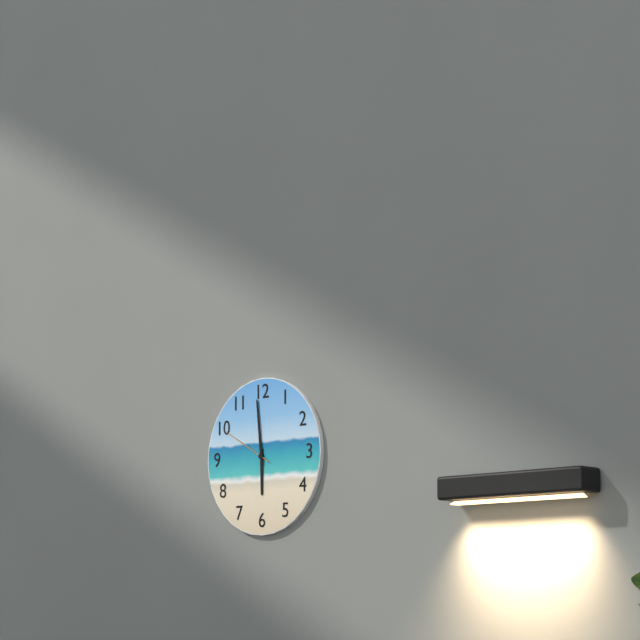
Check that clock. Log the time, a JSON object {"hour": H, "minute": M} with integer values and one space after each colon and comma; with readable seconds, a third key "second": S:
{"hour": 5, "minute": 59, "second": 50}
